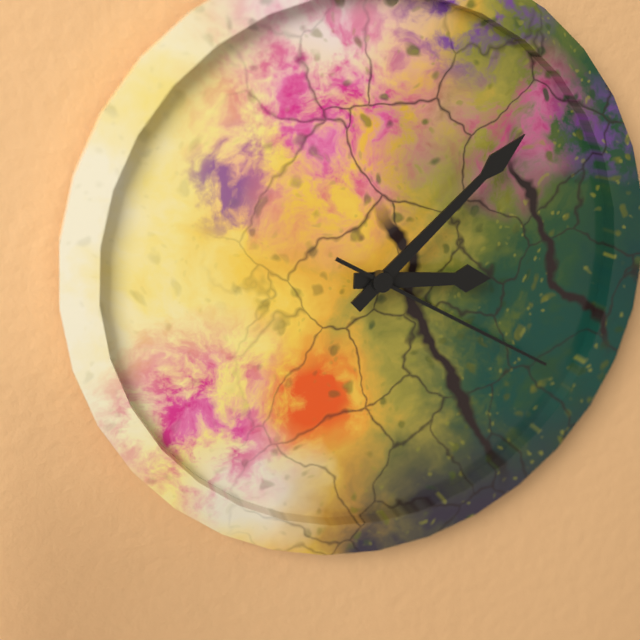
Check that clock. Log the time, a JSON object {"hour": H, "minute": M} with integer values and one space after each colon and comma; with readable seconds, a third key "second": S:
{"hour": 3, "minute": 8, "second": 20}
